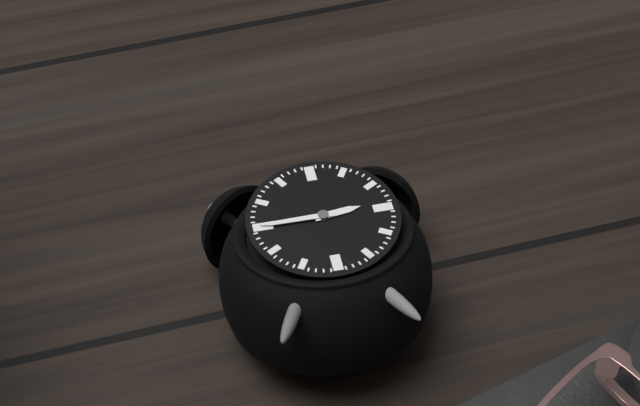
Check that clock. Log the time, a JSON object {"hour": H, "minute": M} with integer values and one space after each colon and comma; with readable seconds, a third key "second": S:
{"hour": 2, "minute": 45}
